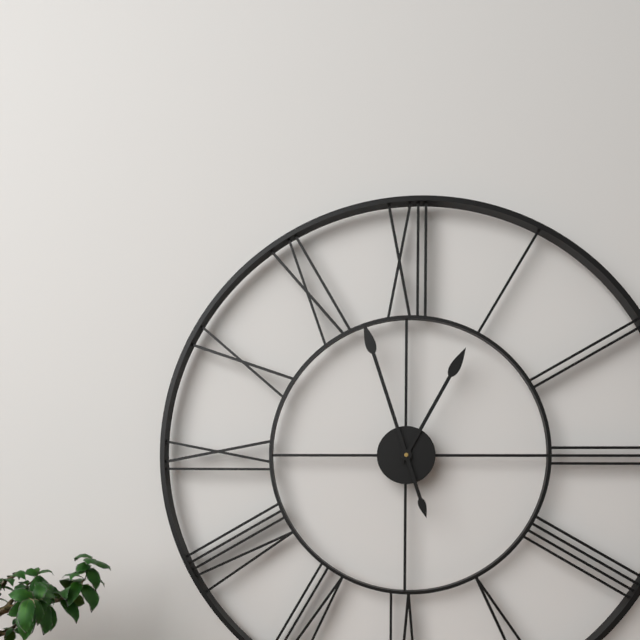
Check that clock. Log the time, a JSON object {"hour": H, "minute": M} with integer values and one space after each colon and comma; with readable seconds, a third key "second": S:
{"hour": 12, "minute": 57}
